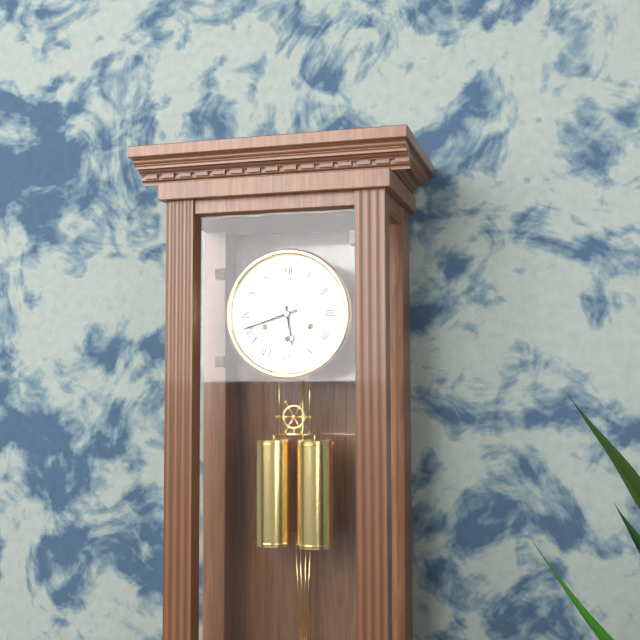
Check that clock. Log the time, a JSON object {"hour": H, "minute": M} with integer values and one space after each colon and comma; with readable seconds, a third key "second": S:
{"hour": 5, "minute": 42}
